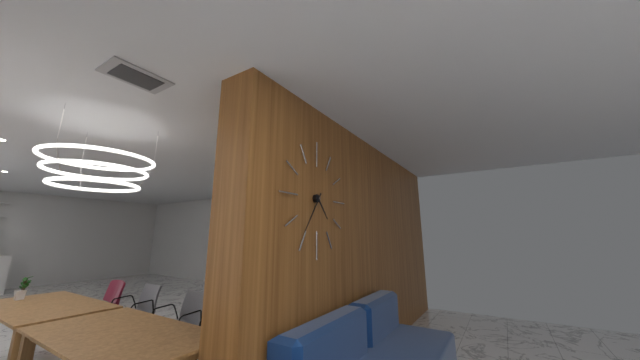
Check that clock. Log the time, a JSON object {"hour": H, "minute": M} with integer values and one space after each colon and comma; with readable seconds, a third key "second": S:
{"hour": 4, "minute": 36}
